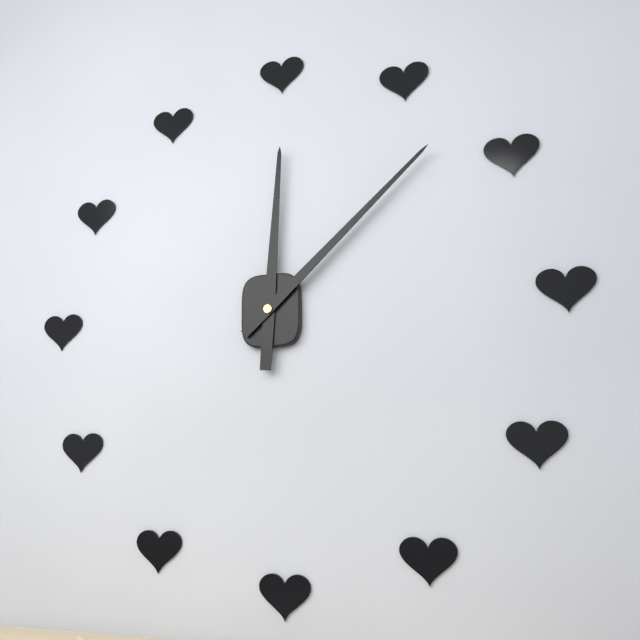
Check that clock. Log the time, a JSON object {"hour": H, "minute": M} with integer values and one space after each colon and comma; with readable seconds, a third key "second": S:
{"hour": 12, "minute": 8}
